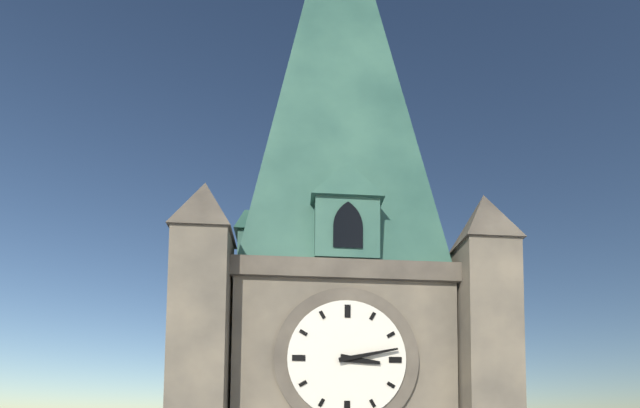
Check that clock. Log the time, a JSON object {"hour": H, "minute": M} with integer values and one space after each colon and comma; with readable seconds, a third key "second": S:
{"hour": 3, "minute": 13}
